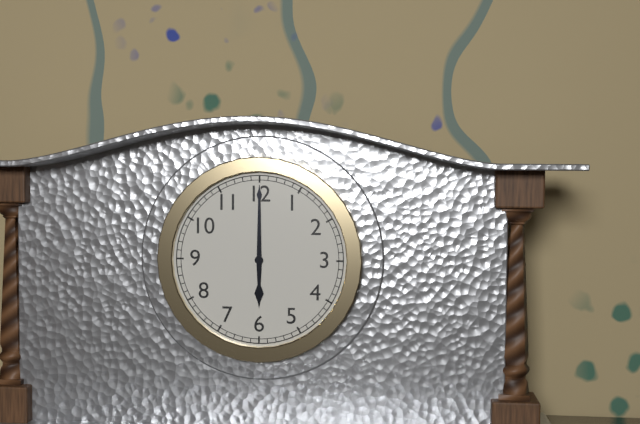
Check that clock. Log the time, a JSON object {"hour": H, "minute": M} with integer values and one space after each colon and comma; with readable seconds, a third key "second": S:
{"hour": 6, "minute": 0}
